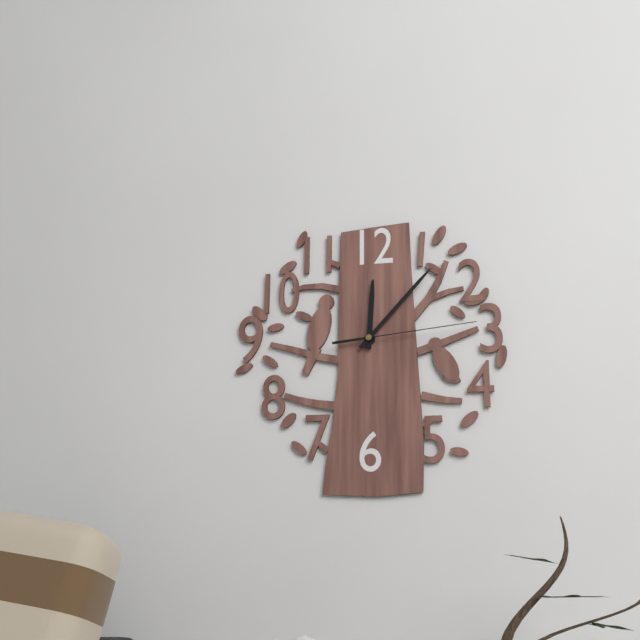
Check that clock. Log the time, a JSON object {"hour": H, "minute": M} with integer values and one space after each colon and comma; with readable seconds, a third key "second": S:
{"hour": 12, "minute": 7, "second": 14}
